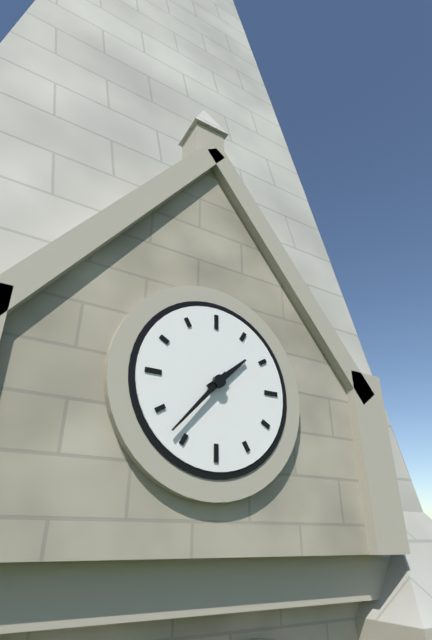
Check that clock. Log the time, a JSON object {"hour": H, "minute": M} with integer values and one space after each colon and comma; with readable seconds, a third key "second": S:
{"hour": 1, "minute": 37}
